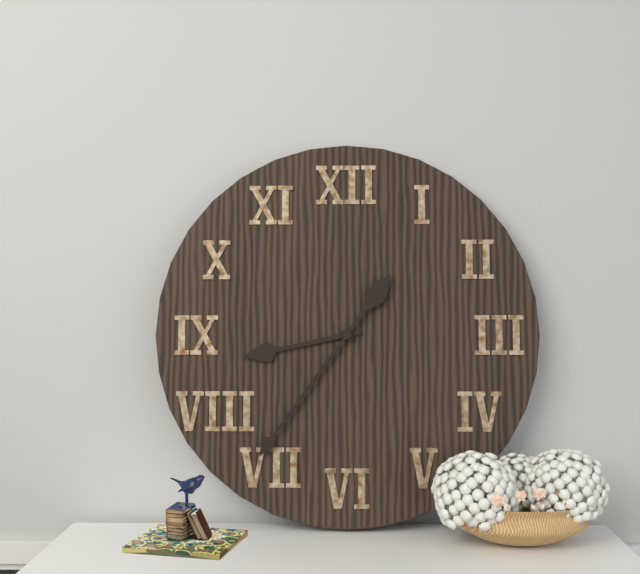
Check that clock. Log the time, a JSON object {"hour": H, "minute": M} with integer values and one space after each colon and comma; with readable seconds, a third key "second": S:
{"hour": 8, "minute": 36}
